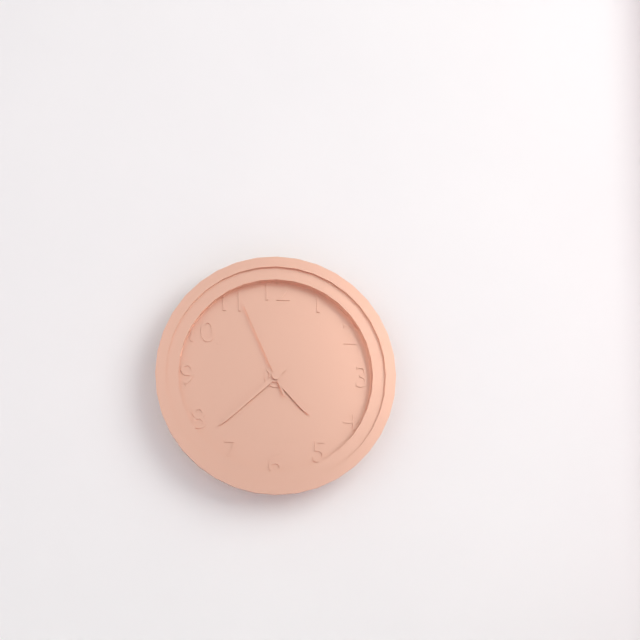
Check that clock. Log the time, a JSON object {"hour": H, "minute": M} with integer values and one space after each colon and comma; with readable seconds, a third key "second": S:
{"hour": 4, "minute": 38, "second": 56}
